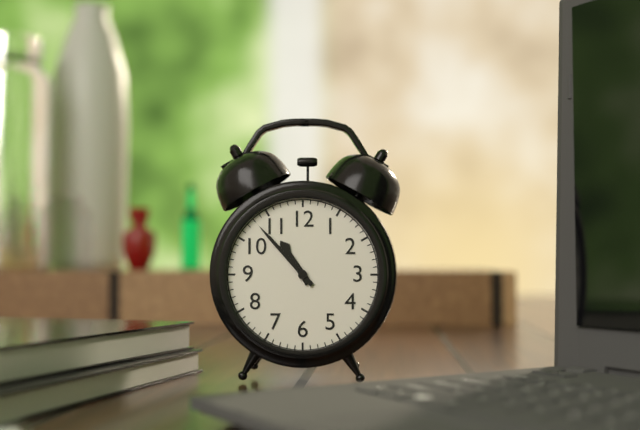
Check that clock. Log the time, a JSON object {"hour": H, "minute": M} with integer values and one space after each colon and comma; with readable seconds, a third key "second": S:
{"hour": 10, "minute": 53}
